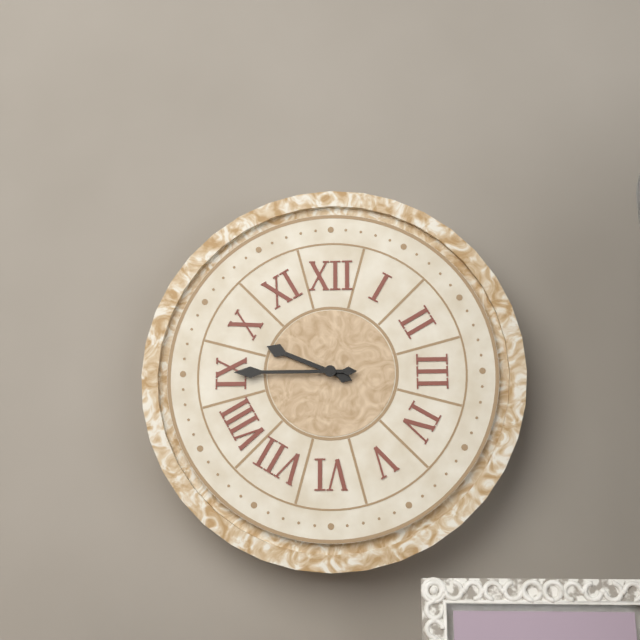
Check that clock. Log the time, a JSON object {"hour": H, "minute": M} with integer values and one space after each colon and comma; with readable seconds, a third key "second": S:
{"hour": 9, "minute": 45}
